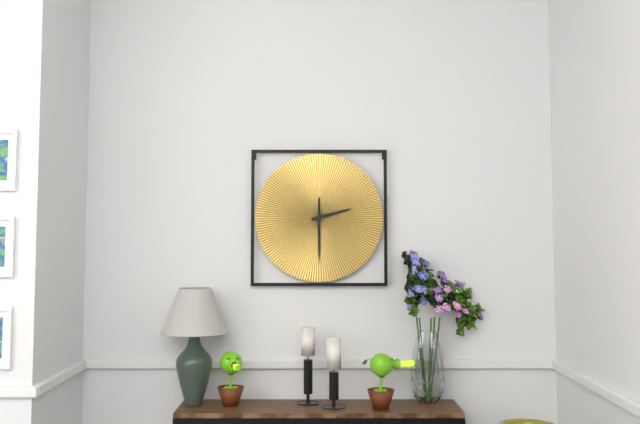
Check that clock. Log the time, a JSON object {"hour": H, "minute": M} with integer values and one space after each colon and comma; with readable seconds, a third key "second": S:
{"hour": 2, "minute": 30}
